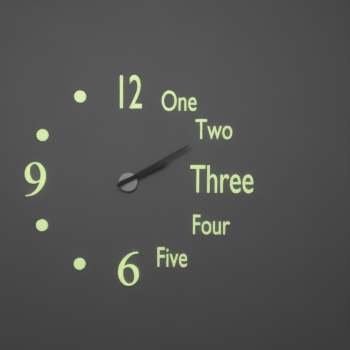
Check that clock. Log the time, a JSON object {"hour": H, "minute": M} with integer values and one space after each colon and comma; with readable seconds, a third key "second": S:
{"hour": 2, "minute": 10}
